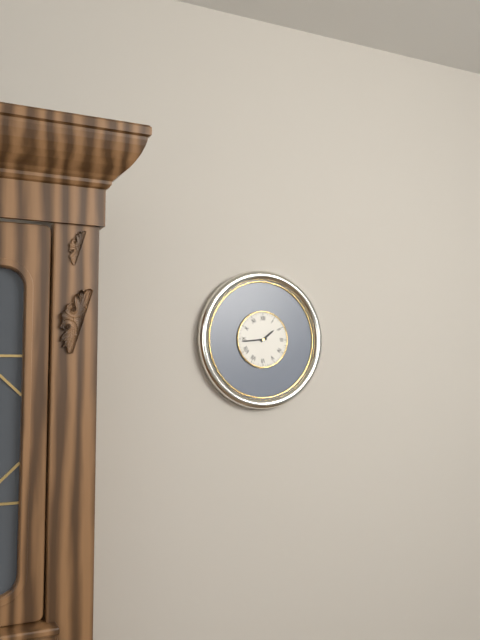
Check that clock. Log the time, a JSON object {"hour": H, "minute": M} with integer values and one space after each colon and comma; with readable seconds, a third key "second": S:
{"hour": 1, "minute": 44}
